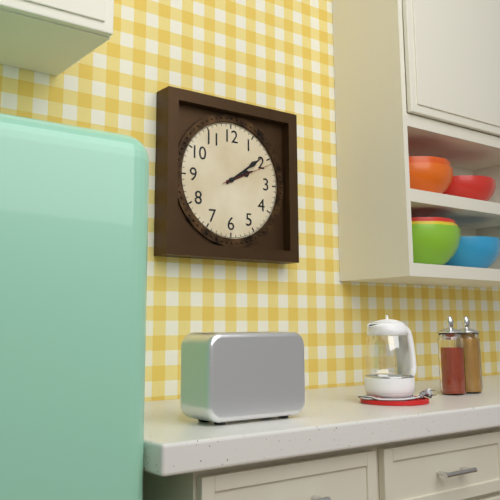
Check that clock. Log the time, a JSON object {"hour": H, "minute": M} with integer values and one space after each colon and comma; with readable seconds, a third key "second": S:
{"hour": 2, "minute": 9, "second": 11}
